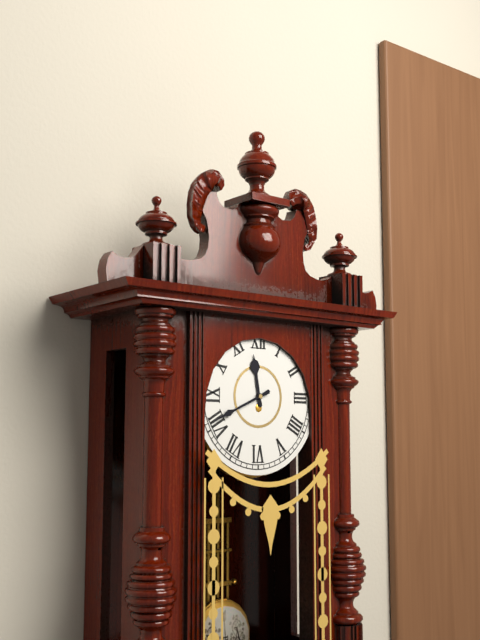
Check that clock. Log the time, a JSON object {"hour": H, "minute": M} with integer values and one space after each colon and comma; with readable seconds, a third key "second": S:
{"hour": 11, "minute": 41}
